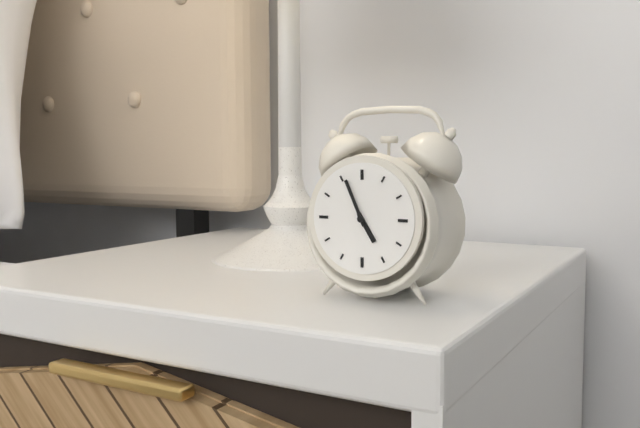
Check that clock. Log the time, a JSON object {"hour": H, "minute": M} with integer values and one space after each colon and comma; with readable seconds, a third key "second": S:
{"hour": 4, "minute": 56}
